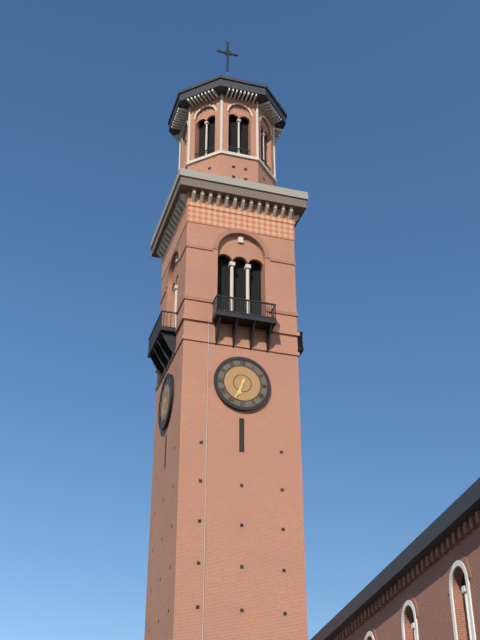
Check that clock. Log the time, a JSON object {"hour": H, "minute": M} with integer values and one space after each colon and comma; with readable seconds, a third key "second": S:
{"hour": 6, "minute": 34}
